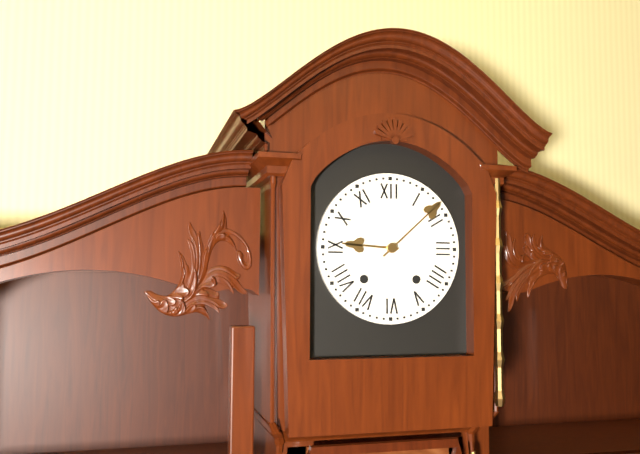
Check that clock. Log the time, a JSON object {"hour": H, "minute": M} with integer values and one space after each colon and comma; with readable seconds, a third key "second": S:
{"hour": 9, "minute": 8}
